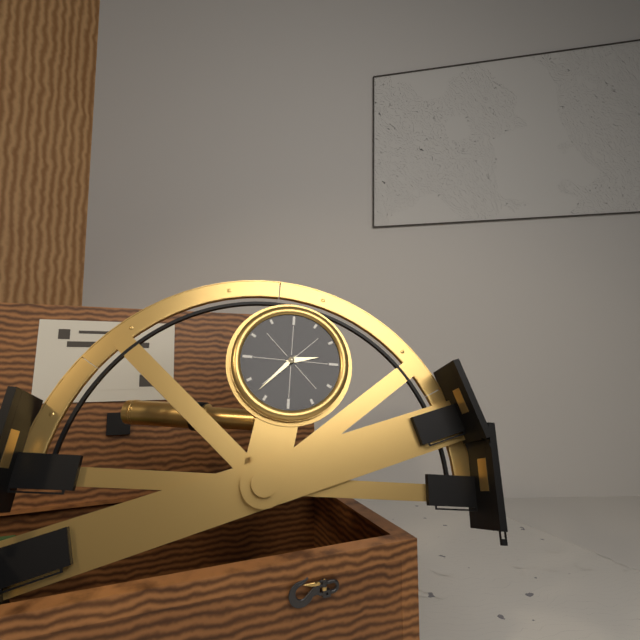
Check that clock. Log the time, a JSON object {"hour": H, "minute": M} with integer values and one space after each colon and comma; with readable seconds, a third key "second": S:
{"hour": 2, "minute": 37}
